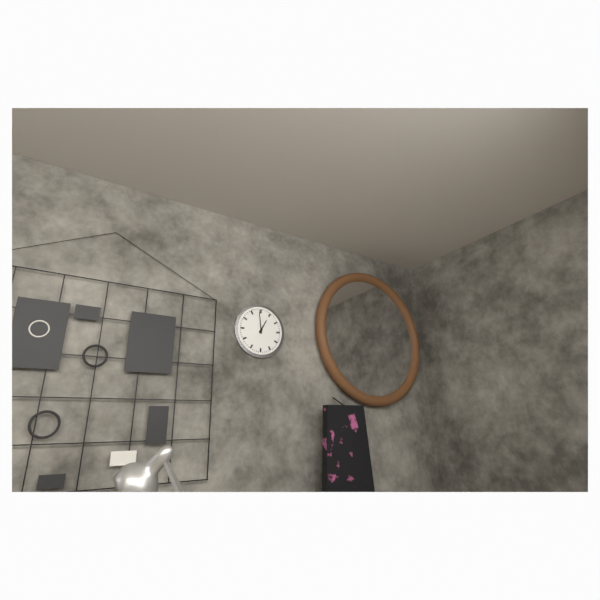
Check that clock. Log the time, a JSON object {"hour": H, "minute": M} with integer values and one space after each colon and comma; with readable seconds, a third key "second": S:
{"hour": 12, "minute": 59}
